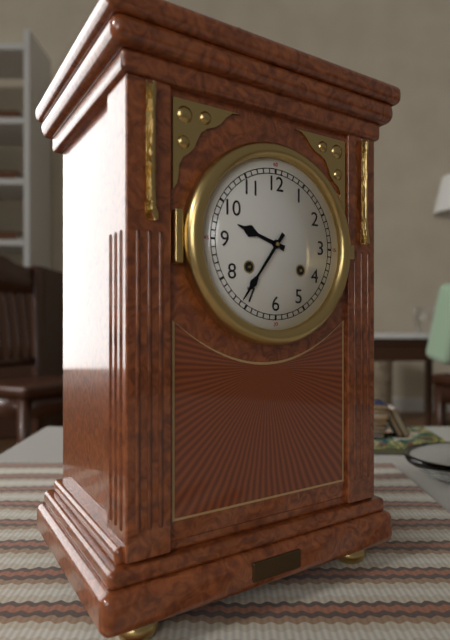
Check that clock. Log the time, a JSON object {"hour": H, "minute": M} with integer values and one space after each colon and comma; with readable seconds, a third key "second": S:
{"hour": 9, "minute": 36}
